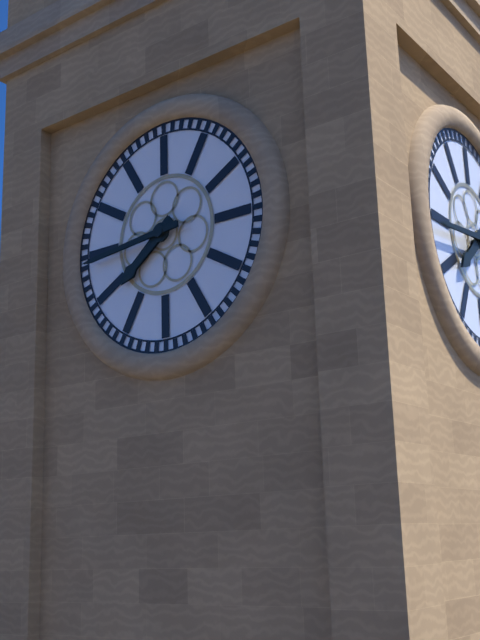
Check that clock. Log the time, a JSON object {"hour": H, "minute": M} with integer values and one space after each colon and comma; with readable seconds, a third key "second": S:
{"hour": 7, "minute": 44}
